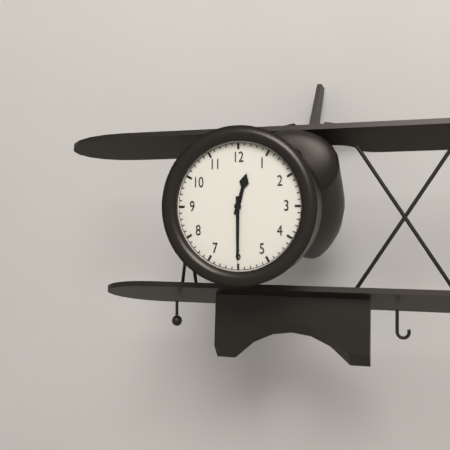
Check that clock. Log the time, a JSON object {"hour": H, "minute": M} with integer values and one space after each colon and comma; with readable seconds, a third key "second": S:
{"hour": 12, "minute": 30}
